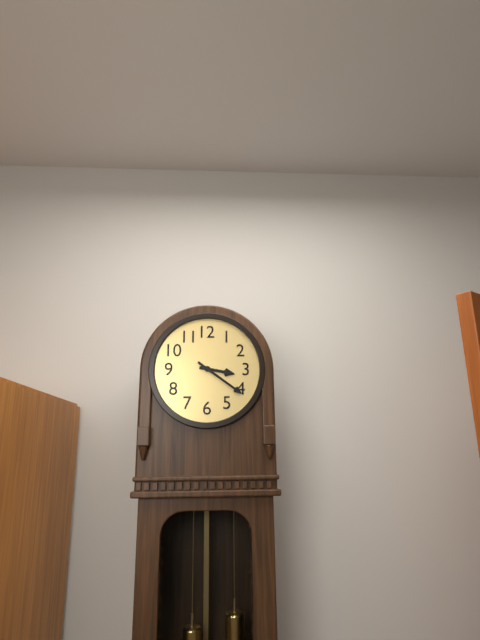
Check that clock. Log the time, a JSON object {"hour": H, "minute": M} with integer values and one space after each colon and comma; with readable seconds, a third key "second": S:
{"hour": 3, "minute": 21}
